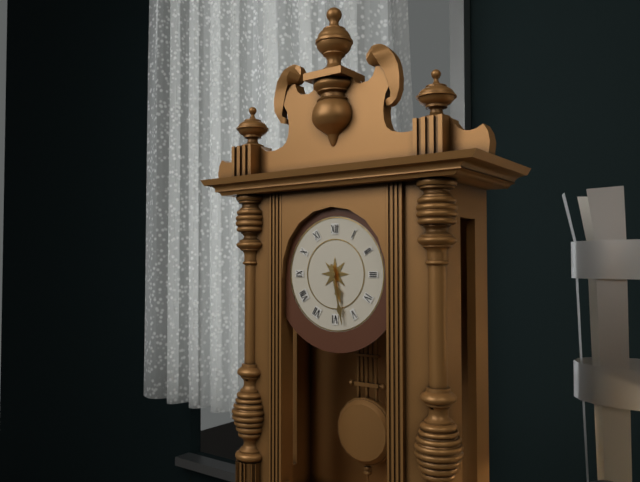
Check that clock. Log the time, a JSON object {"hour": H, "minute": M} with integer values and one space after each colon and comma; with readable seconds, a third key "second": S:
{"hour": 5, "minute": 28}
